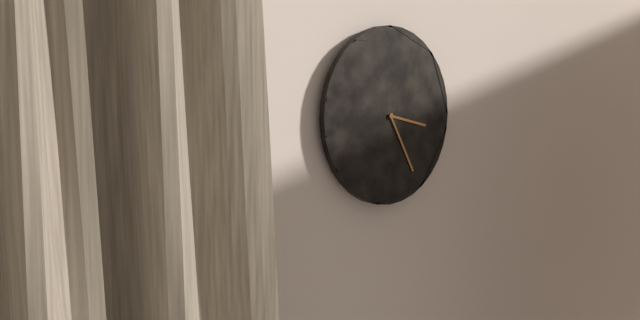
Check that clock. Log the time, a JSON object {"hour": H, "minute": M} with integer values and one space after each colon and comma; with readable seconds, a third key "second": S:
{"hour": 3, "minute": 25}
